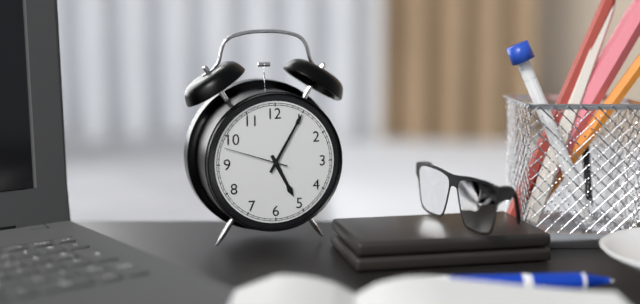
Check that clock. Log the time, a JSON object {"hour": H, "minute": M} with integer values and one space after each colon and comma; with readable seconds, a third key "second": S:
{"hour": 5, "minute": 5, "second": 48}
